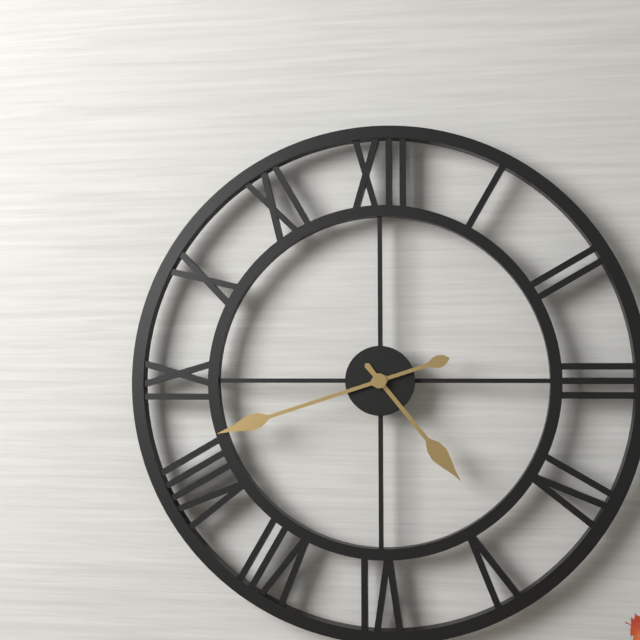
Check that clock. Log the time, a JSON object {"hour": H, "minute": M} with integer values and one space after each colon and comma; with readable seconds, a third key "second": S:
{"hour": 4, "minute": 42}
